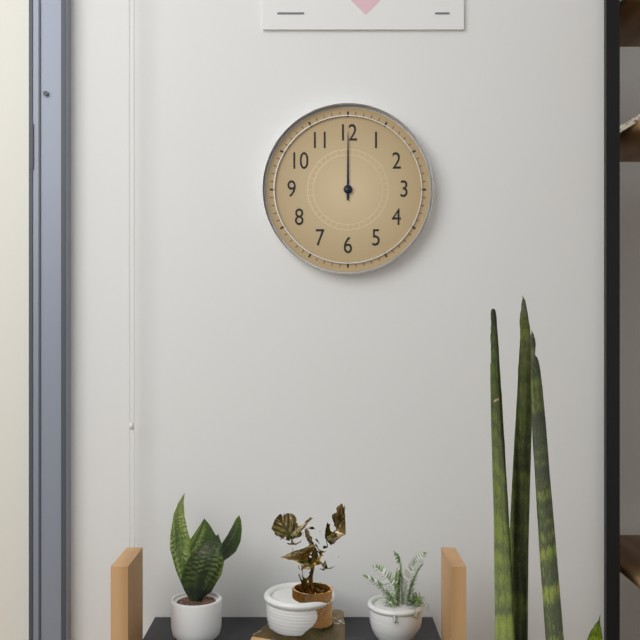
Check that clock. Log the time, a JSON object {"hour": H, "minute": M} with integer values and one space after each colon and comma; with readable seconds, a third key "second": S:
{"hour": 12, "minute": 0}
